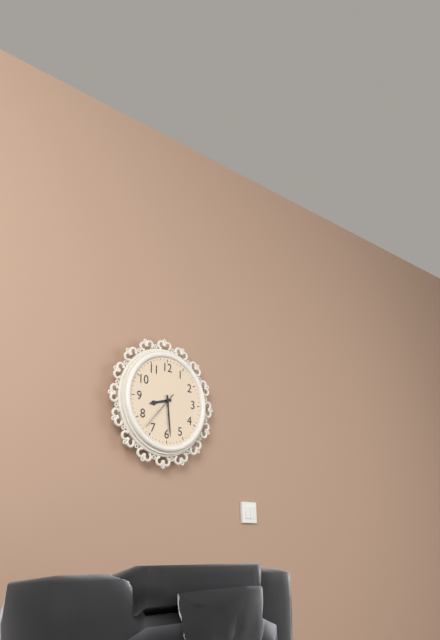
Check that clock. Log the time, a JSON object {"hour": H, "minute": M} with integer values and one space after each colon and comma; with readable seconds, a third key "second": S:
{"hour": 8, "minute": 29}
